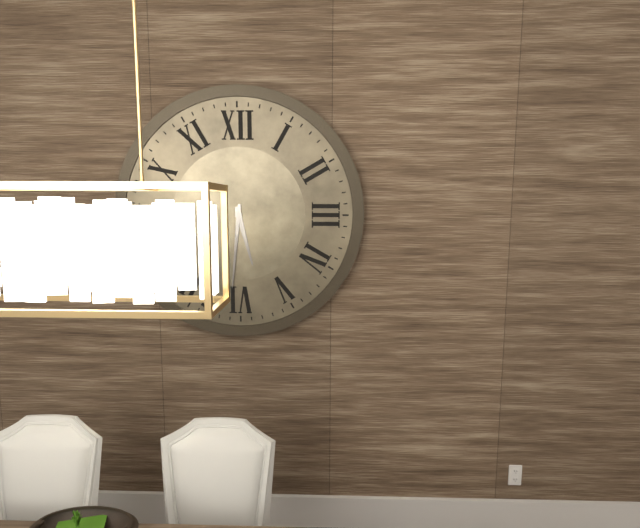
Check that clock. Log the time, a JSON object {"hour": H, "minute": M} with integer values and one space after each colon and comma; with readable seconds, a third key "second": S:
{"hour": 5, "minute": 31}
